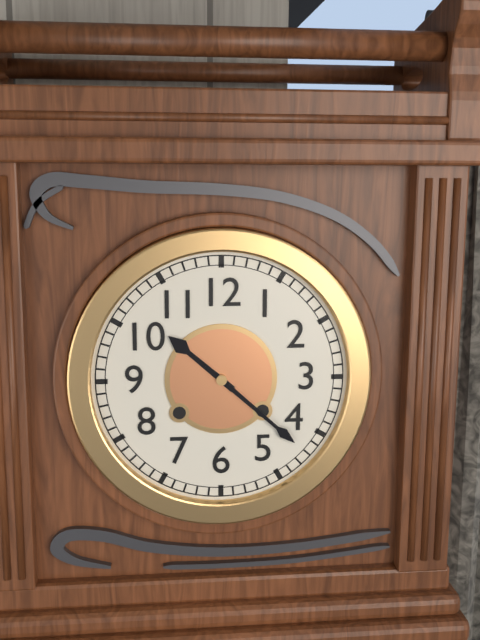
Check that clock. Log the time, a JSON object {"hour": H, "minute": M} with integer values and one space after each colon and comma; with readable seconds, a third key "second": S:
{"hour": 10, "minute": 22}
